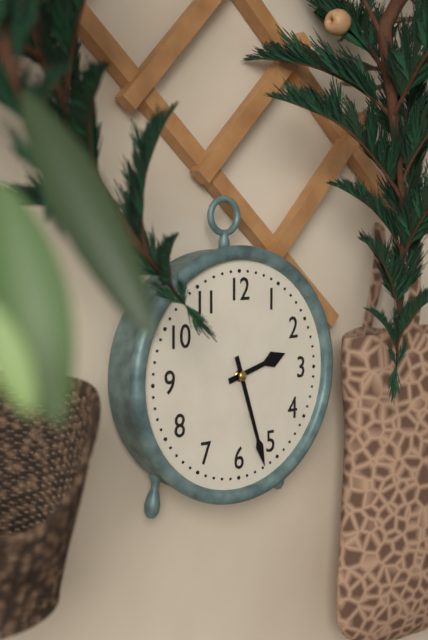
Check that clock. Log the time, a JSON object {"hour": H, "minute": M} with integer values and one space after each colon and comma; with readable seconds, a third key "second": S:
{"hour": 2, "minute": 27}
